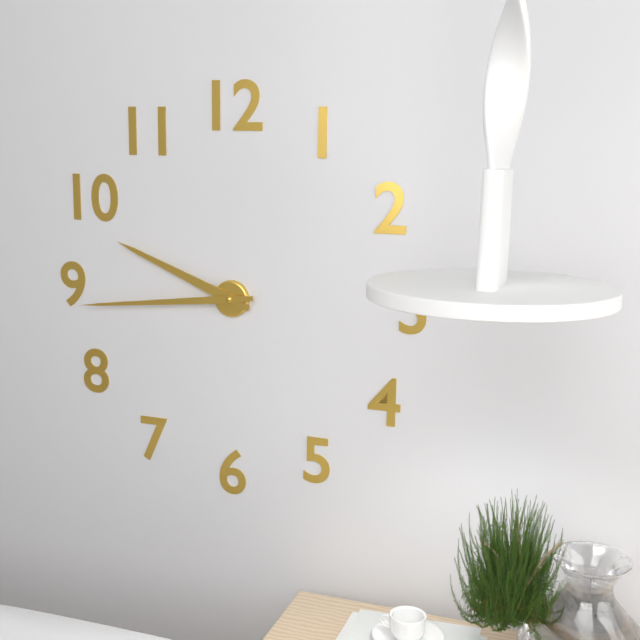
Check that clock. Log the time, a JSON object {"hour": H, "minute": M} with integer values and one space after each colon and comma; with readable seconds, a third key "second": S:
{"hour": 9, "minute": 44}
